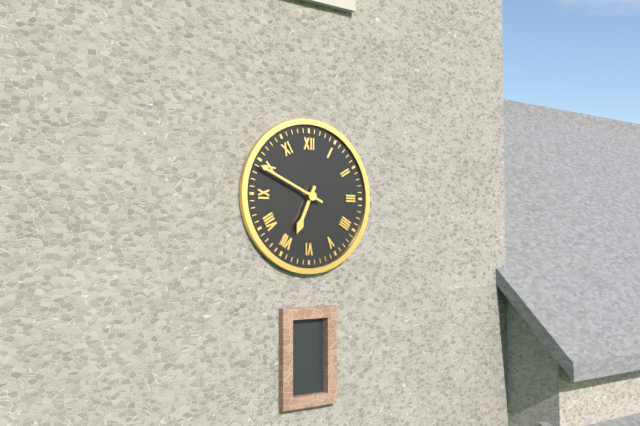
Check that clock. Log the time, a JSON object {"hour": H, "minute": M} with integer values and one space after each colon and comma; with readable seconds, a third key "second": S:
{"hour": 6, "minute": 49}
